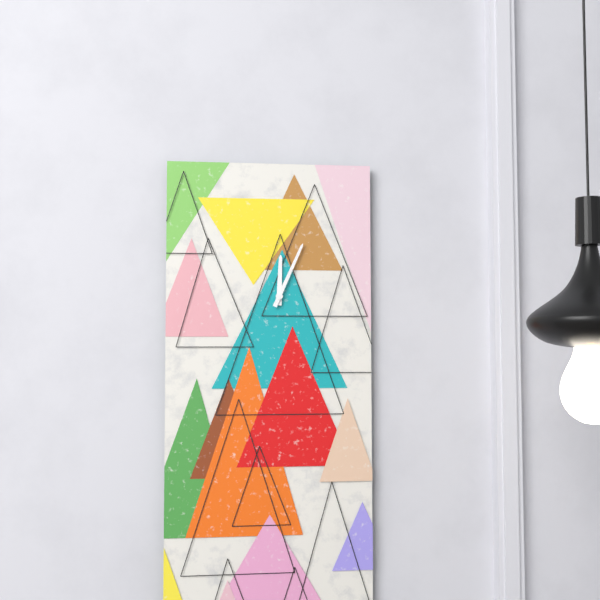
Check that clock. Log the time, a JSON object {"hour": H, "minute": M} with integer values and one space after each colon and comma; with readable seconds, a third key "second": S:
{"hour": 12, "minute": 4}
